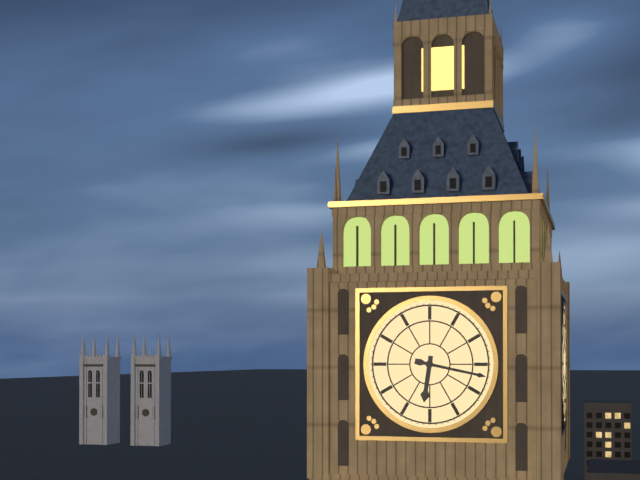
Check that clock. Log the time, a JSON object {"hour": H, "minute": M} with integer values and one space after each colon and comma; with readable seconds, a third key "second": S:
{"hour": 6, "minute": 17}
